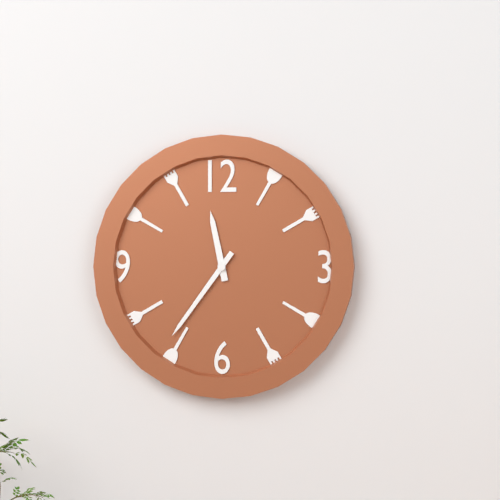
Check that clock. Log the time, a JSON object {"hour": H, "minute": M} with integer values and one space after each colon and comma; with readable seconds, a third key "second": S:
{"hour": 11, "minute": 36}
